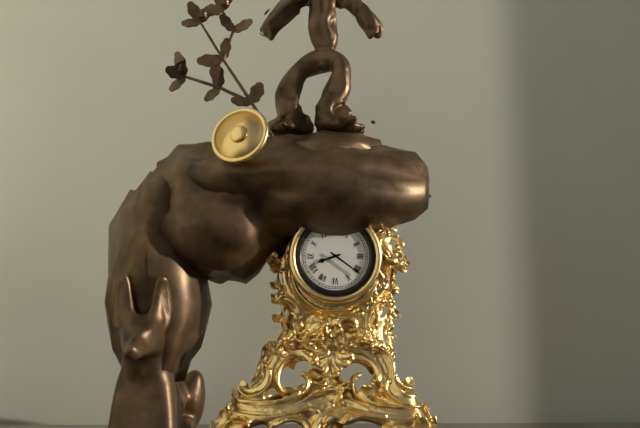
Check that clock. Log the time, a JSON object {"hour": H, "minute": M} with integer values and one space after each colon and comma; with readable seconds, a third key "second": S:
{"hour": 8, "minute": 21}
